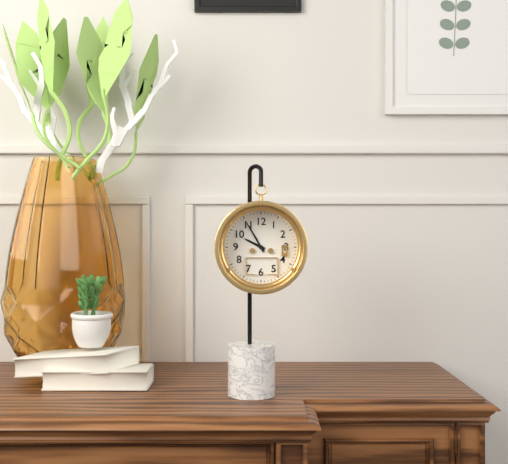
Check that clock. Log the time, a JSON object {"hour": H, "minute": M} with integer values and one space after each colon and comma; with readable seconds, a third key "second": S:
{"hour": 9, "minute": 55}
